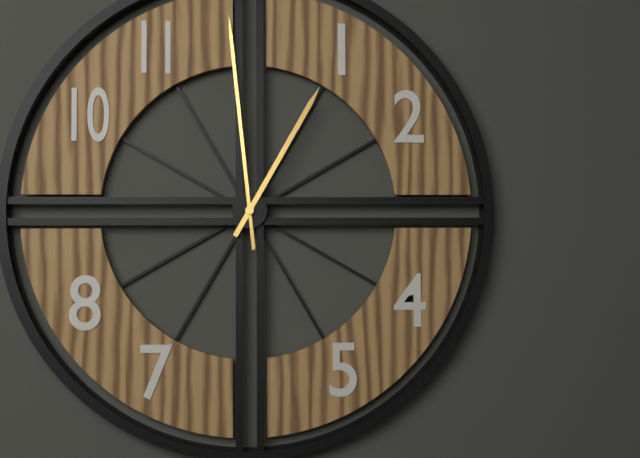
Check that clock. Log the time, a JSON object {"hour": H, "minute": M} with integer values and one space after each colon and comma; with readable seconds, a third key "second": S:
{"hour": 12, "minute": 59}
